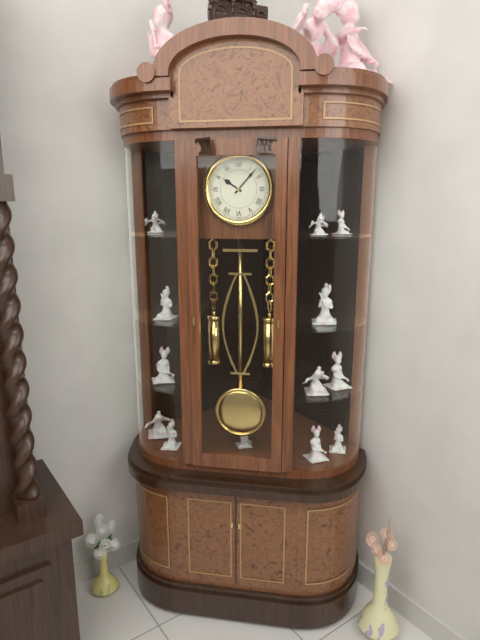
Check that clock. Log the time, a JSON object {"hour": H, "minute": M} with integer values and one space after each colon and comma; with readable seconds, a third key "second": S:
{"hour": 10, "minute": 7}
